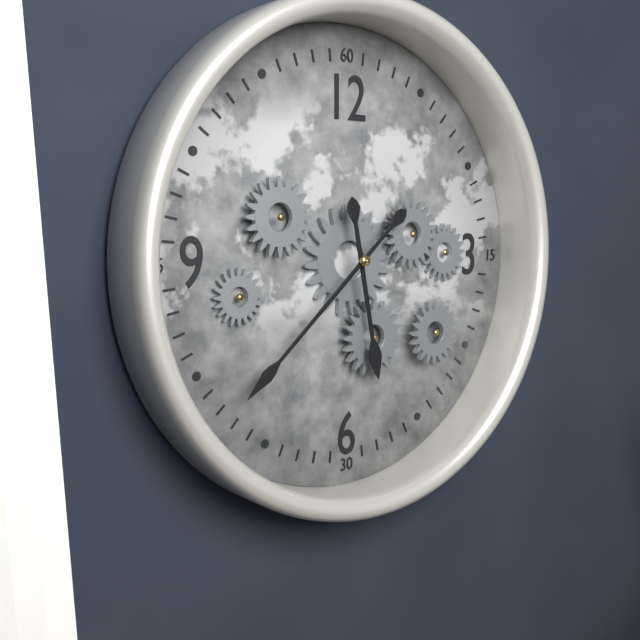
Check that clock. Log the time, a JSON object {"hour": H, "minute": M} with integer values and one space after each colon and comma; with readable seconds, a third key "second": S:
{"hour": 5, "minute": 38}
